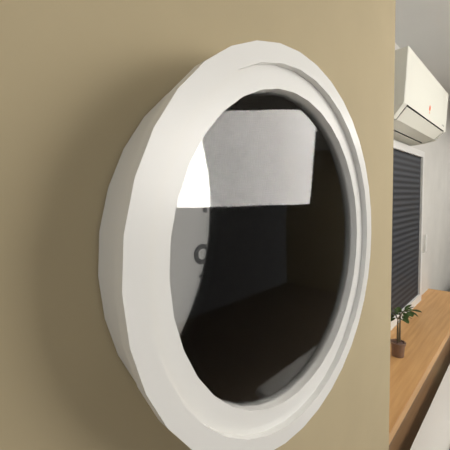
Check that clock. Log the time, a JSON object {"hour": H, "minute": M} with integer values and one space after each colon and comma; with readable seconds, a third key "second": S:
{"hour": 4, "minute": 9}
